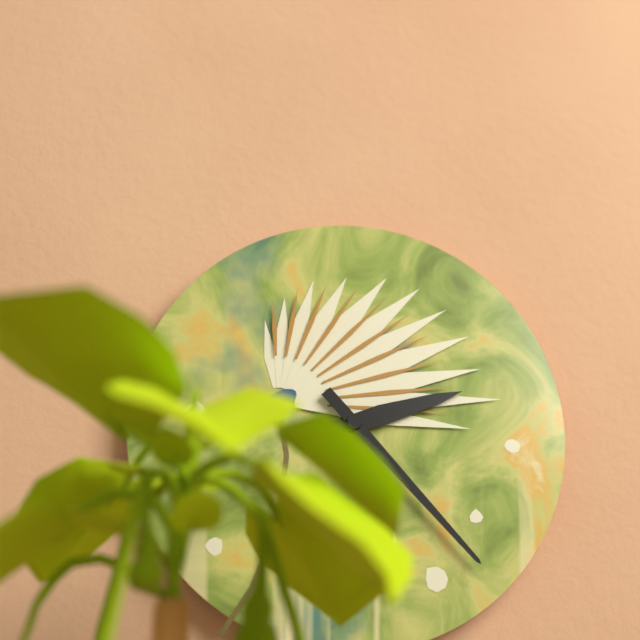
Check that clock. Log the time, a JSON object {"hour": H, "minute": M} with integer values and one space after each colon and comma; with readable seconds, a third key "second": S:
{"hour": 2, "minute": 23}
